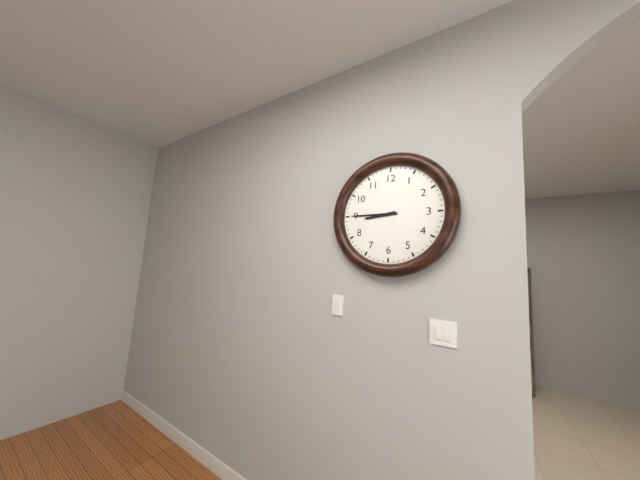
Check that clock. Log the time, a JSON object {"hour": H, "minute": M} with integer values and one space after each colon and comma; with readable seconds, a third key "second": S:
{"hour": 8, "minute": 45}
